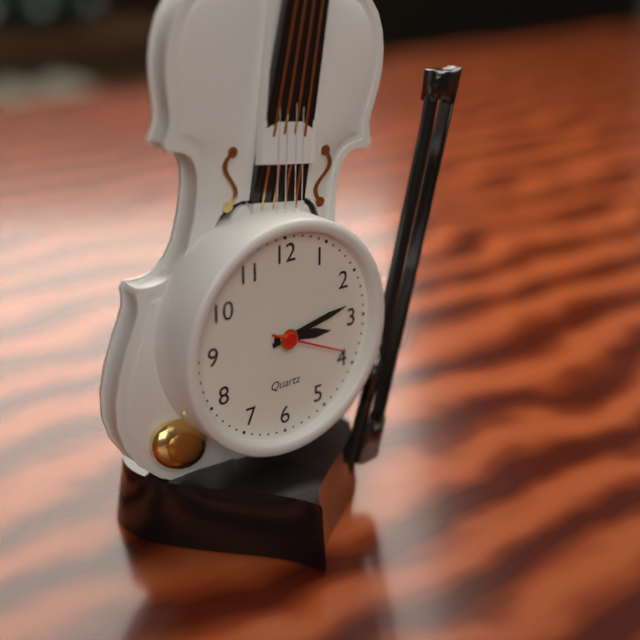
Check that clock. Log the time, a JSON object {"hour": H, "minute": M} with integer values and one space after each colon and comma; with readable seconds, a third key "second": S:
{"hour": 3, "minute": 13, "second": 19}
